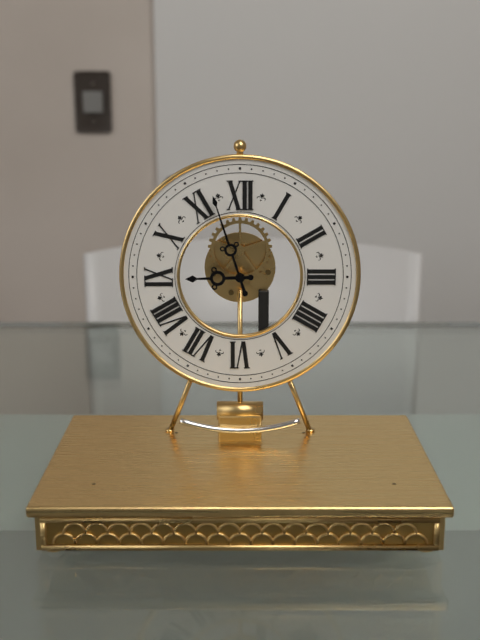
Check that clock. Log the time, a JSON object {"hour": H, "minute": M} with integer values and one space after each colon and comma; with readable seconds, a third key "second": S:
{"hour": 8, "minute": 57}
